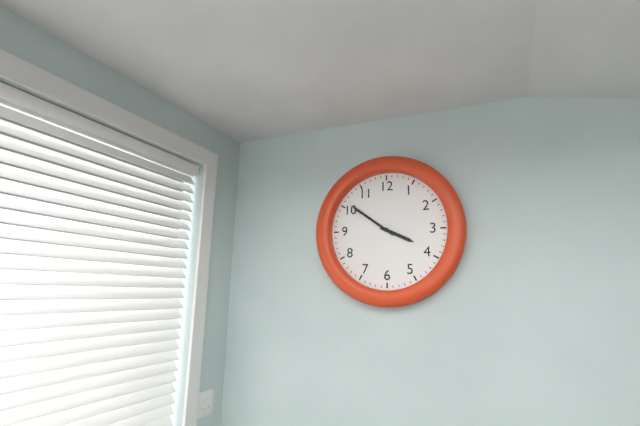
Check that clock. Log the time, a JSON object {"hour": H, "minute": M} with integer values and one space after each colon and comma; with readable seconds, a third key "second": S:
{"hour": 3, "minute": 51}
